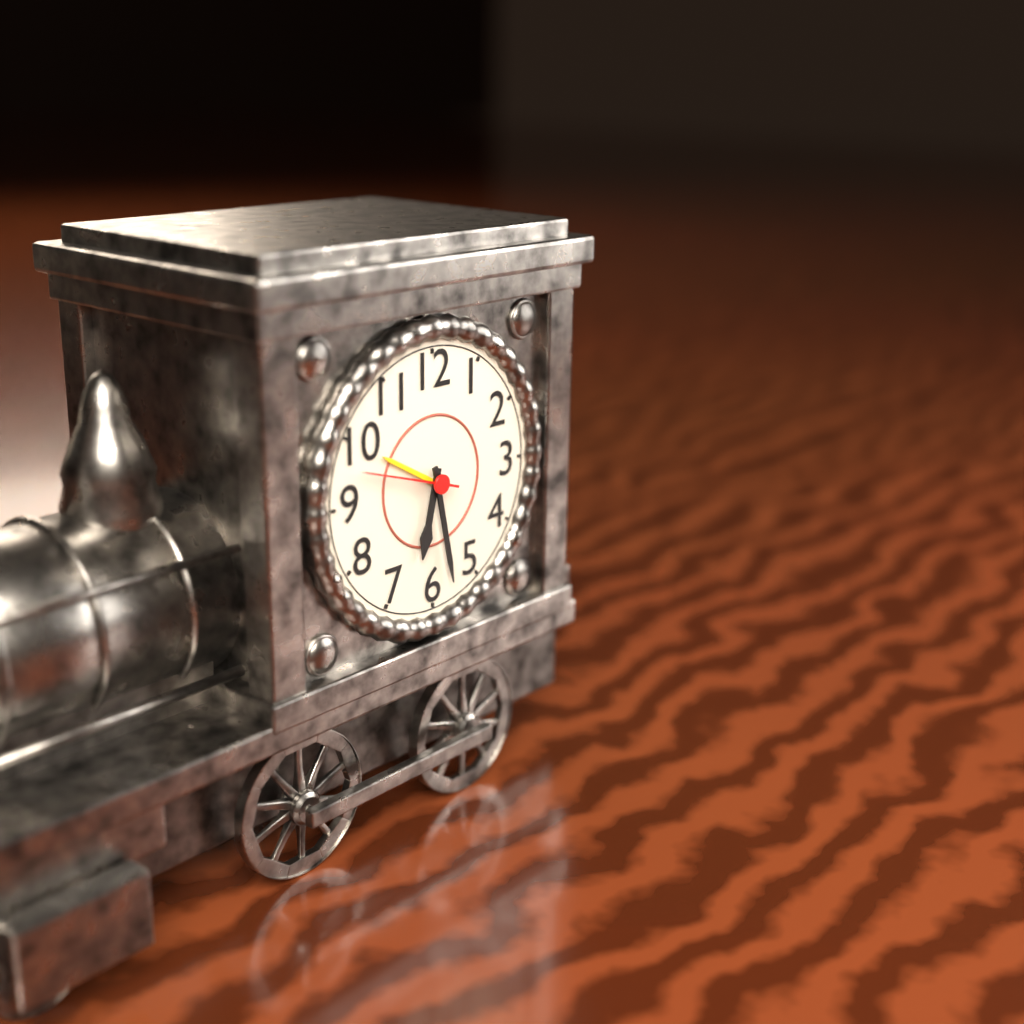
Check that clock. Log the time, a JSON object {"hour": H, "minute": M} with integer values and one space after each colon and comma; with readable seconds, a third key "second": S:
{"hour": 6, "minute": 28, "second": 48}
